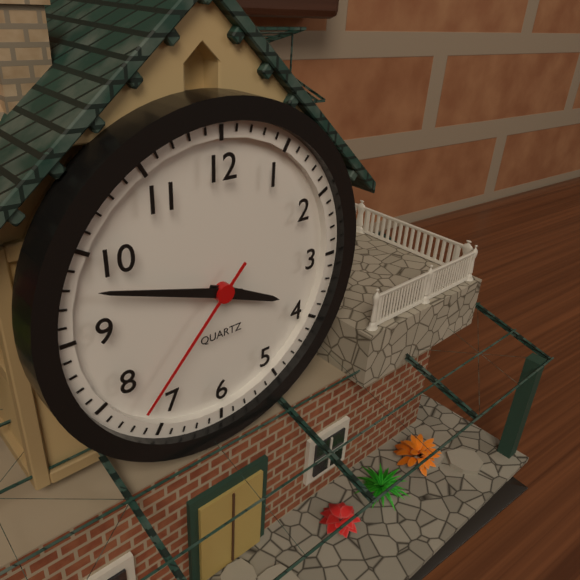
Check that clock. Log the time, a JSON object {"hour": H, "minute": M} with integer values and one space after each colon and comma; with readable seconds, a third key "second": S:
{"hour": 3, "minute": 48, "second": 37}
